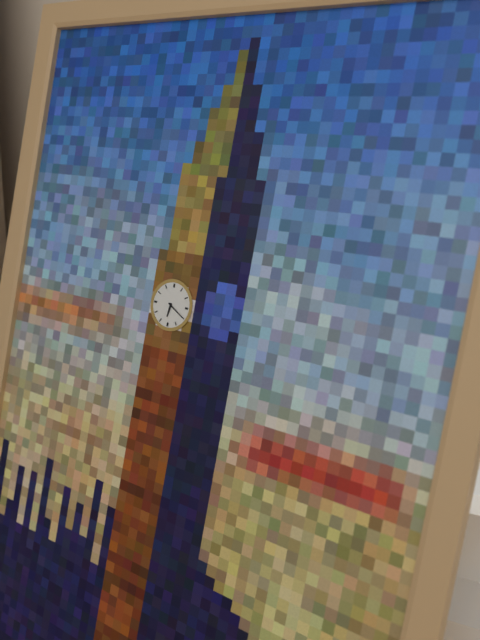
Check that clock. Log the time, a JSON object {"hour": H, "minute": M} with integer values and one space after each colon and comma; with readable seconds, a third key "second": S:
{"hour": 6, "minute": 20}
